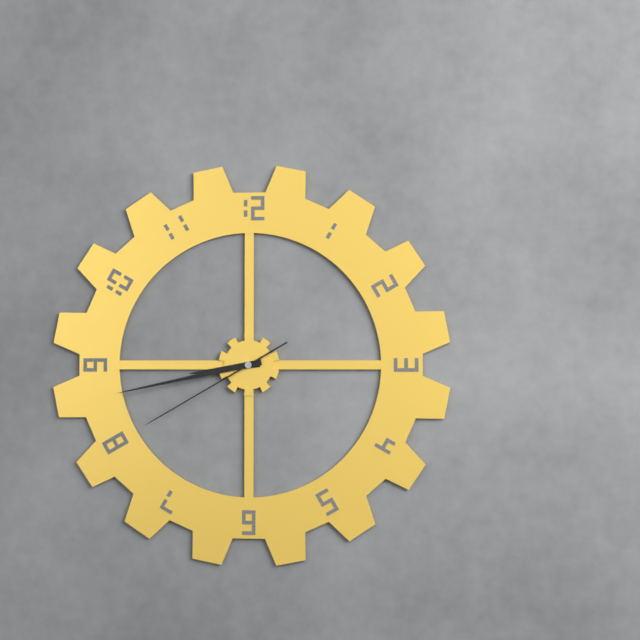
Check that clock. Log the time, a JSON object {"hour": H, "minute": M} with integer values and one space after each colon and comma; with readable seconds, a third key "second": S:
{"hour": 8, "minute": 43, "second": 40}
